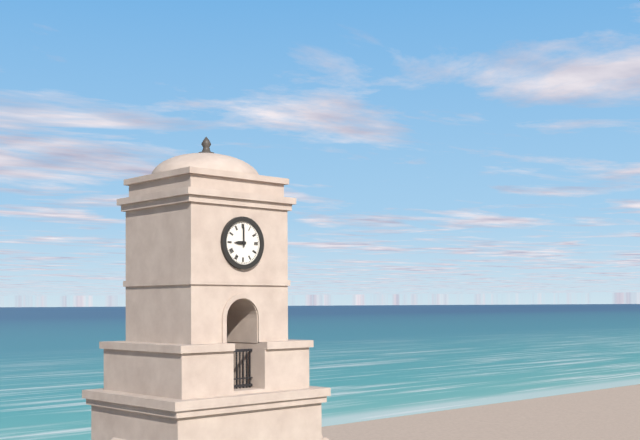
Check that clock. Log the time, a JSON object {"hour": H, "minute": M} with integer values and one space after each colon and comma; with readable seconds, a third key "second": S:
{"hour": 9, "minute": 0}
